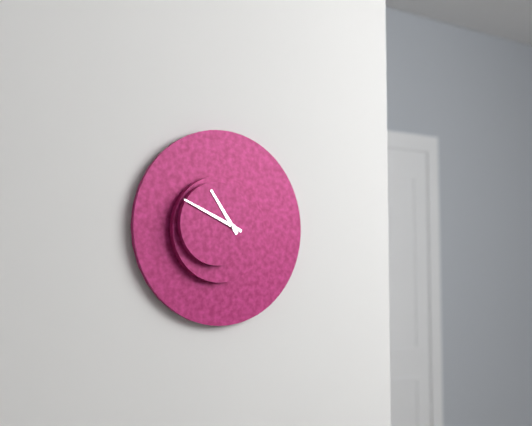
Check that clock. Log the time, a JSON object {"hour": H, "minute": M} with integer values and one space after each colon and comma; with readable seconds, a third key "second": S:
{"hour": 10, "minute": 49}
